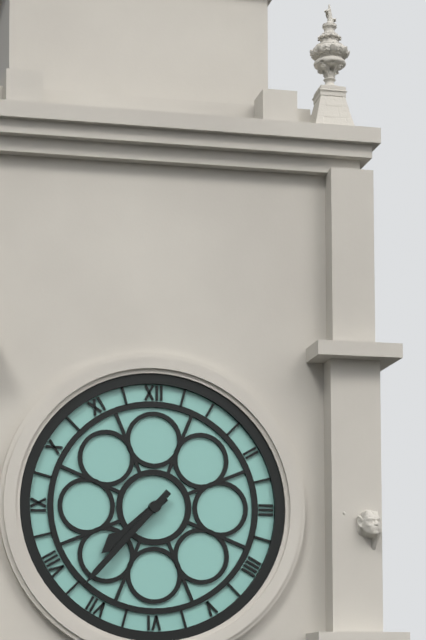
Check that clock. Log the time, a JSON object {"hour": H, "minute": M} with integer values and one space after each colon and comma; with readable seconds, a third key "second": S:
{"hour": 7, "minute": 37}
